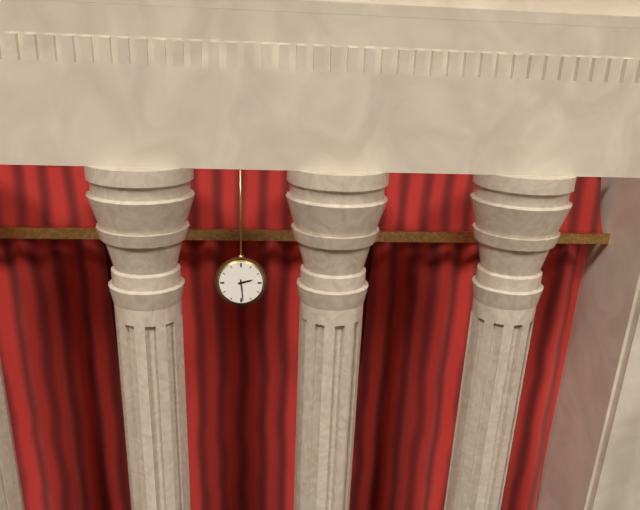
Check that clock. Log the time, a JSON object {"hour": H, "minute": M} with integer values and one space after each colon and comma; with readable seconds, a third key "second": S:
{"hour": 2, "minute": 29}
